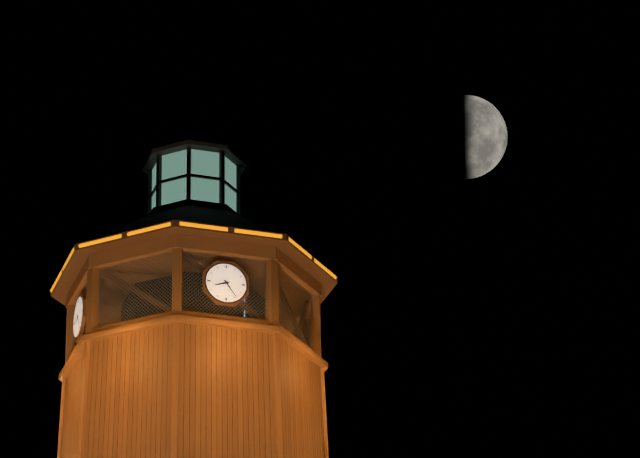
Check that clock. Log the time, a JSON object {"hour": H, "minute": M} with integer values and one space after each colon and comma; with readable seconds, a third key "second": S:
{"hour": 8, "minute": 24}
